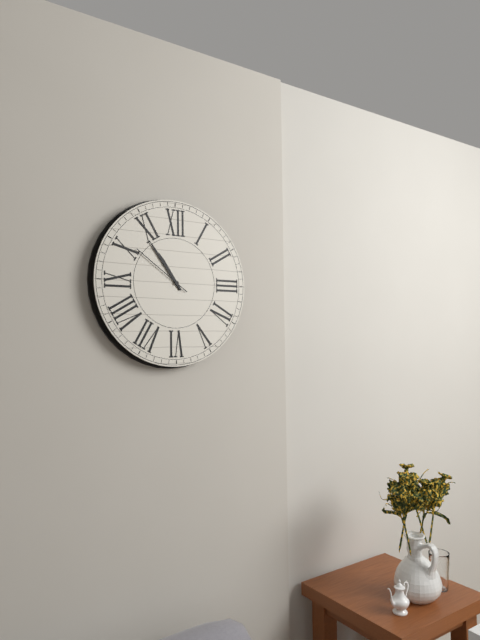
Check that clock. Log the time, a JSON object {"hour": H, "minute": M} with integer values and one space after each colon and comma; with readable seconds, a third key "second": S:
{"hour": 10, "minute": 54, "second": 51}
